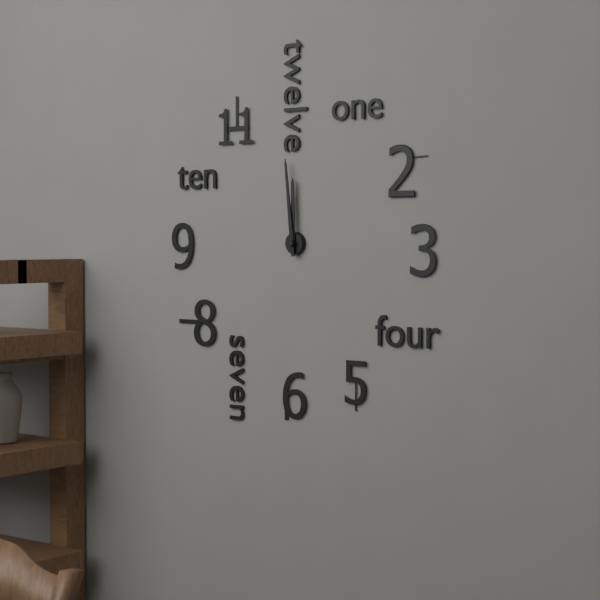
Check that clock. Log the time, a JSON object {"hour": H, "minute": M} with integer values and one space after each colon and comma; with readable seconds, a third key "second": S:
{"hour": 11, "minute": 59}
